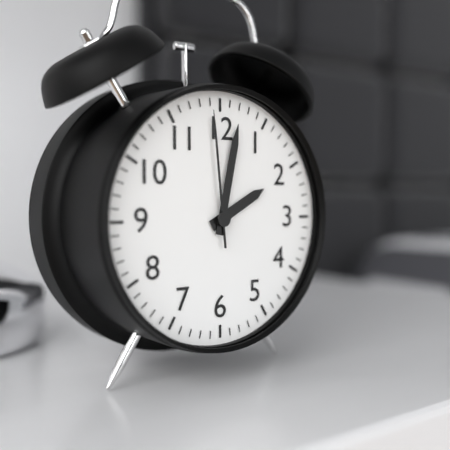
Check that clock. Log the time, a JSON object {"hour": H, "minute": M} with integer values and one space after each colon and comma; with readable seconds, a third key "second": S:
{"hour": 2, "minute": 2, "second": 59}
